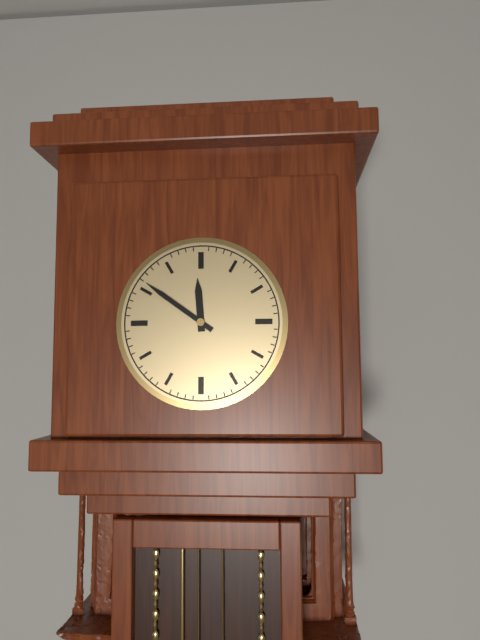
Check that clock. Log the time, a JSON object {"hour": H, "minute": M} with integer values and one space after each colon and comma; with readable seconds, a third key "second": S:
{"hour": 11, "minute": 51}
